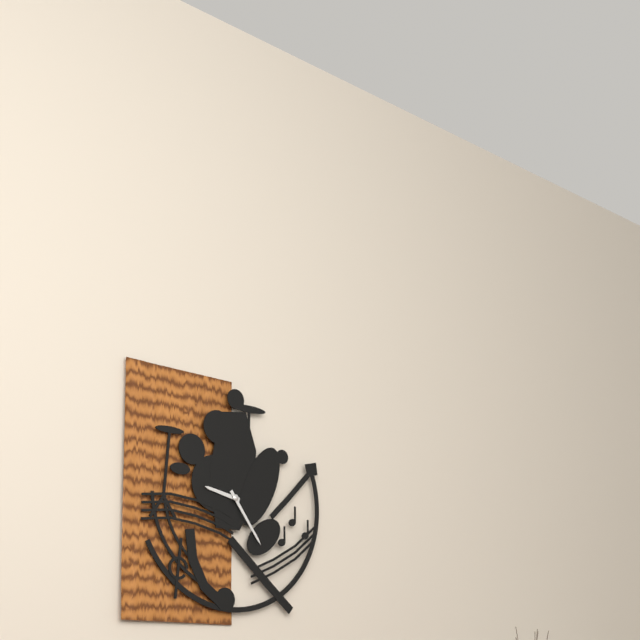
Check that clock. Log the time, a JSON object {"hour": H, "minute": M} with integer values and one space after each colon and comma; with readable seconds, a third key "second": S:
{"hour": 9, "minute": 24}
